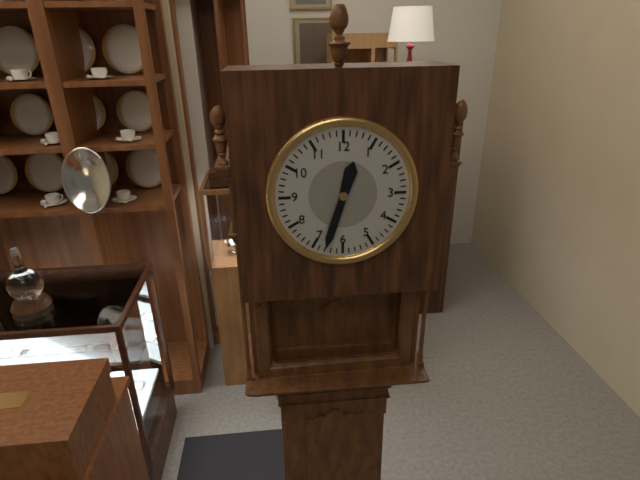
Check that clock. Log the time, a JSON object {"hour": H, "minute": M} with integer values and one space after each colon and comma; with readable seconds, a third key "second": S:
{"hour": 12, "minute": 33}
